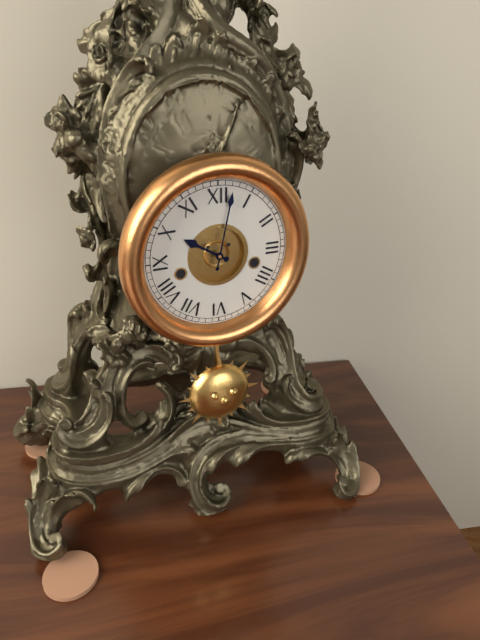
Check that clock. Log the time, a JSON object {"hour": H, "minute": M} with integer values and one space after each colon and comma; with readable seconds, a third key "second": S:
{"hour": 10, "minute": 2}
